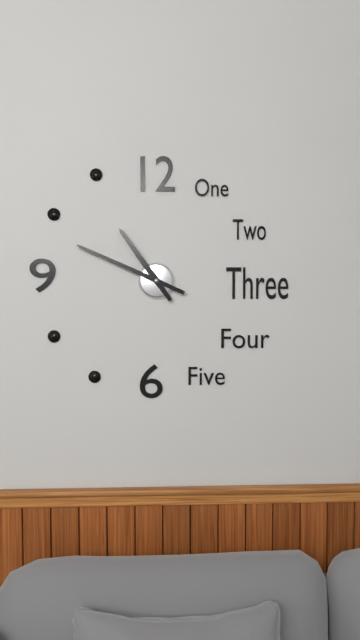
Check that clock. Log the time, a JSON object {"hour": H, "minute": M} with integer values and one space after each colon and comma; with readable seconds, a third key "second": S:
{"hour": 10, "minute": 49}
